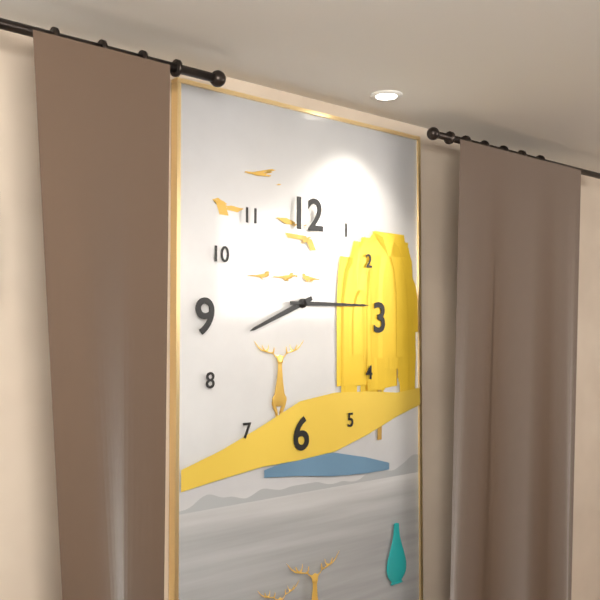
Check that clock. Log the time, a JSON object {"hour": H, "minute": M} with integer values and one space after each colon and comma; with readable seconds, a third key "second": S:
{"hour": 8, "minute": 15}
